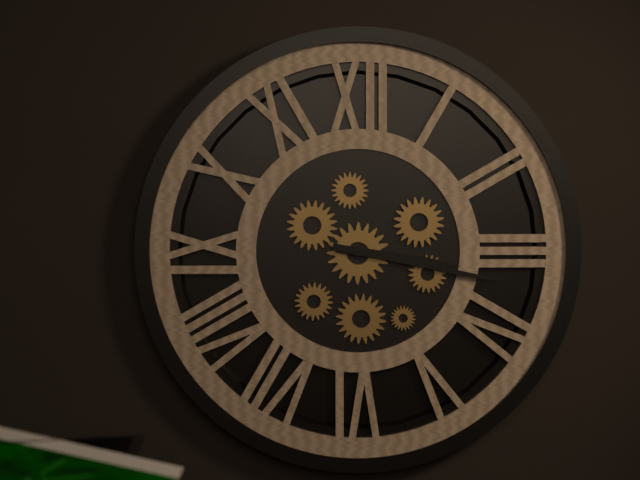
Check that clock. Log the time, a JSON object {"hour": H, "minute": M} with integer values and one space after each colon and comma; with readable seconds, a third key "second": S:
{"hour": 3, "minute": 17}
